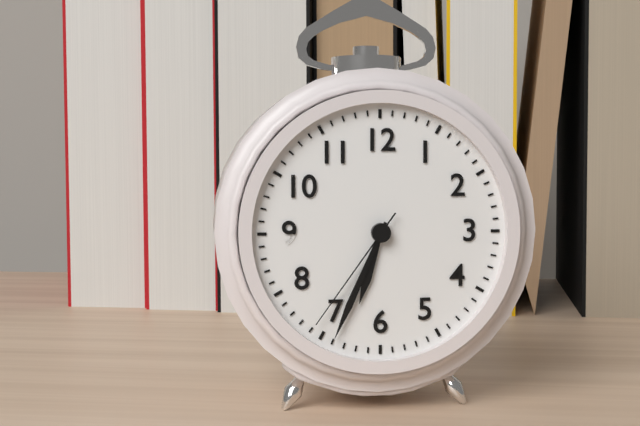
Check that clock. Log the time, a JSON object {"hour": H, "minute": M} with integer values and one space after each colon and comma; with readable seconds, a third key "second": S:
{"hour": 6, "minute": 34, "second": 36}
